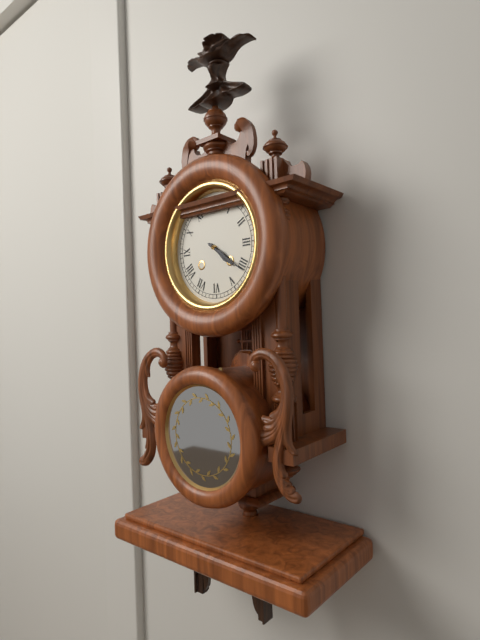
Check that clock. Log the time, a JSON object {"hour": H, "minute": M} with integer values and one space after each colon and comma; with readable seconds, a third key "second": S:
{"hour": 4, "minute": 21}
